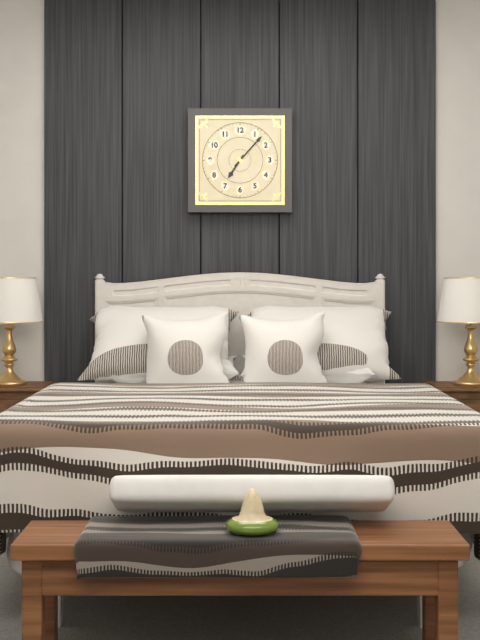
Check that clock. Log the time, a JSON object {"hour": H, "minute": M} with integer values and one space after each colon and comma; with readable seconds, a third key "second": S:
{"hour": 7, "minute": 7}
